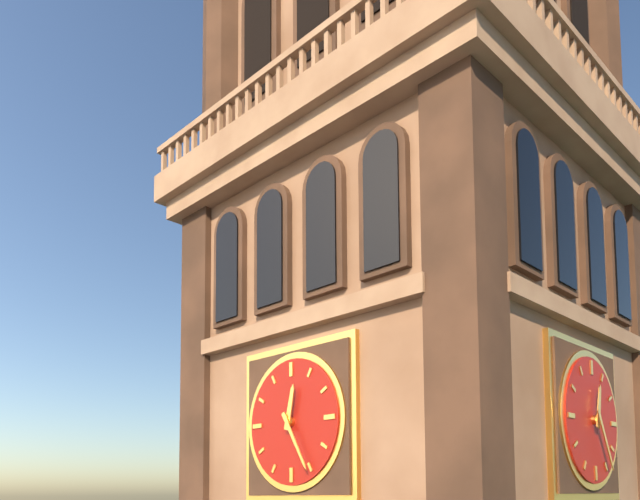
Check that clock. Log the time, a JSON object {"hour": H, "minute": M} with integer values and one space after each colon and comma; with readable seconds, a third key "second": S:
{"hour": 12, "minute": 25}
